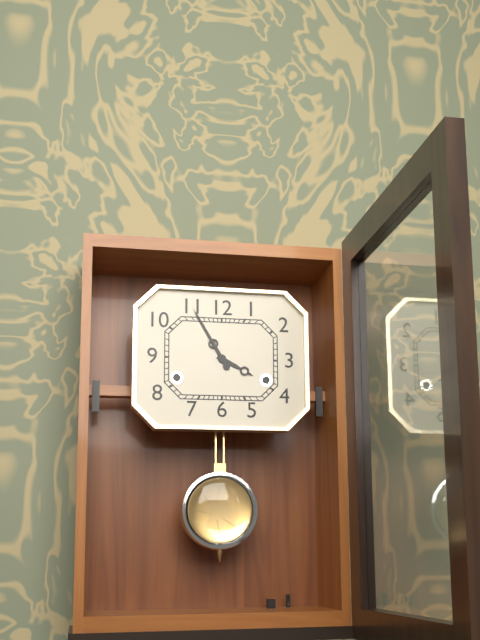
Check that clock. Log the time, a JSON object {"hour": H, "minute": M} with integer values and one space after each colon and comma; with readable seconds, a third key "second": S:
{"hour": 3, "minute": 55}
